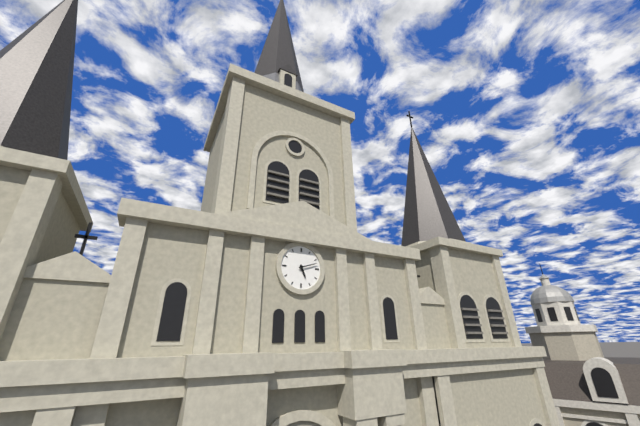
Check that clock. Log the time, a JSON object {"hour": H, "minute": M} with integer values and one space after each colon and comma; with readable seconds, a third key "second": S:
{"hour": 5, "minute": 12}
